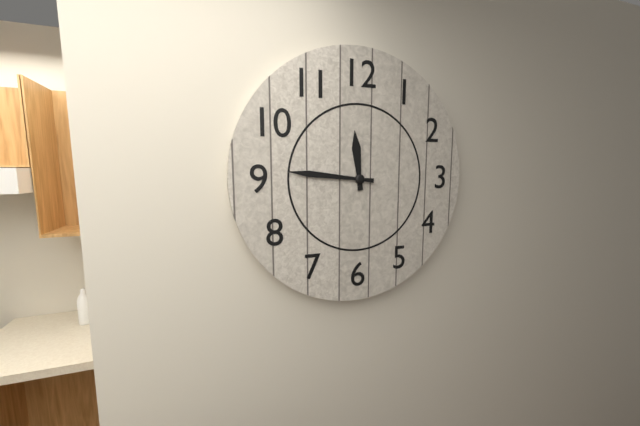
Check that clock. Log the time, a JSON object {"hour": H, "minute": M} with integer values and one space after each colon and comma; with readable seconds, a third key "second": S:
{"hour": 11, "minute": 46}
